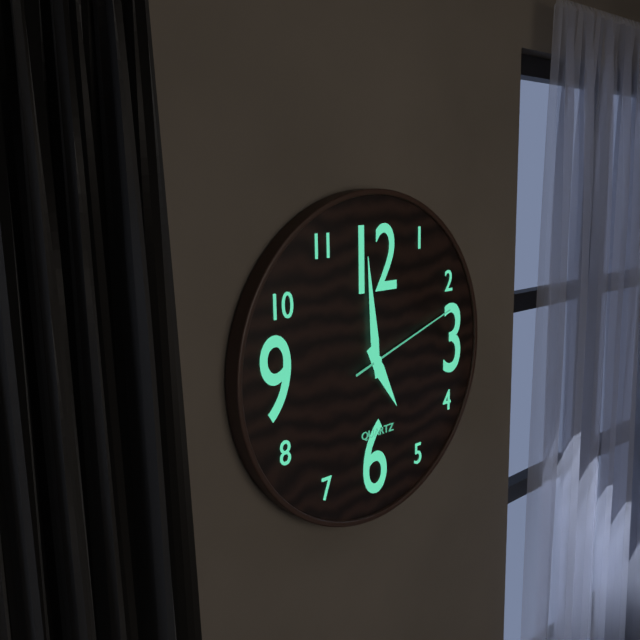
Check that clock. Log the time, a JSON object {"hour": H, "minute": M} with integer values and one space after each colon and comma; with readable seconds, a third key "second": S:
{"hour": 4, "minute": 59, "second": 12}
